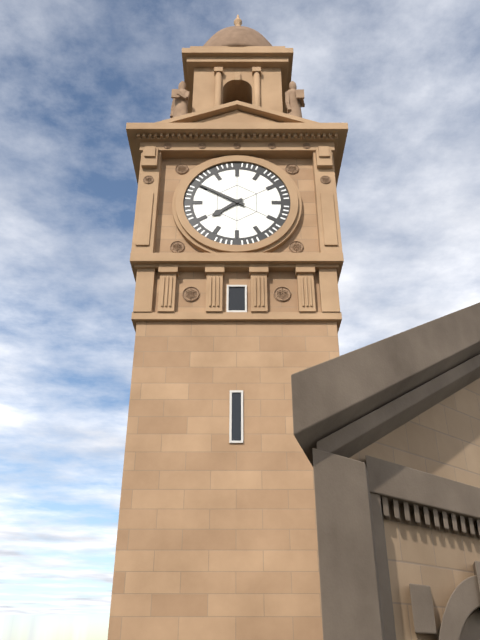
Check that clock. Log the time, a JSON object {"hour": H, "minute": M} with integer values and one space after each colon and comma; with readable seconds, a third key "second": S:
{"hour": 7, "minute": 50}
